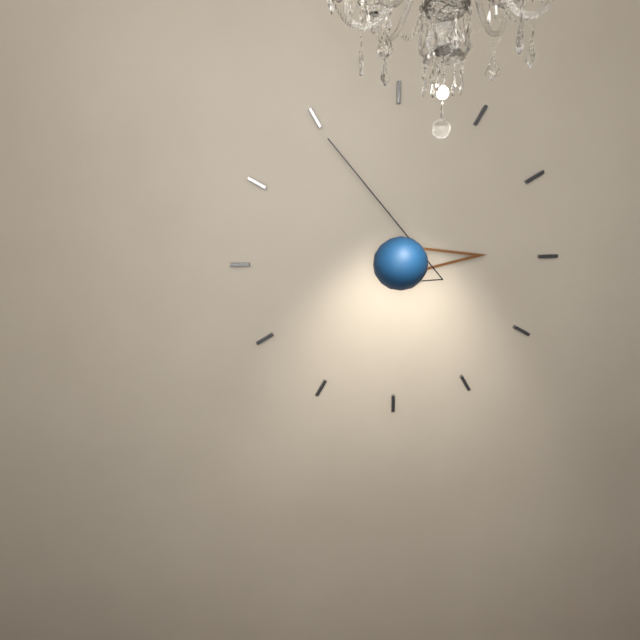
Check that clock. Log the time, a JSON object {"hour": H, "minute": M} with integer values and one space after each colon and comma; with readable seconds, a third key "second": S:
{"hour": 2, "minute": 55}
